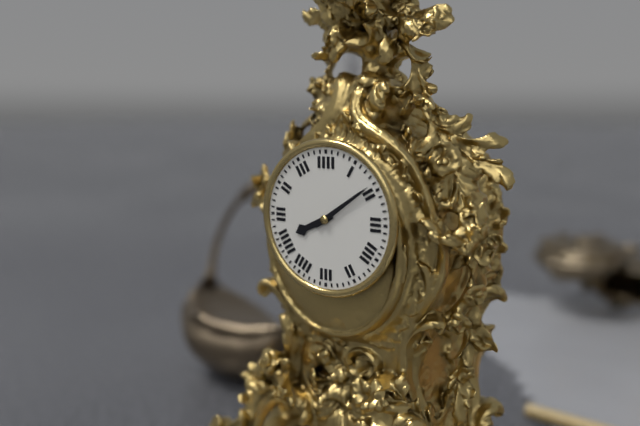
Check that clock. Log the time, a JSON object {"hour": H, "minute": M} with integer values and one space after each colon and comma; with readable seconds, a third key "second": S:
{"hour": 8, "minute": 9}
